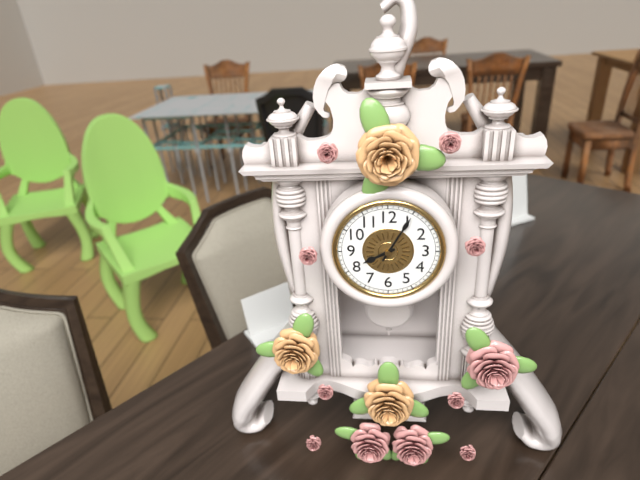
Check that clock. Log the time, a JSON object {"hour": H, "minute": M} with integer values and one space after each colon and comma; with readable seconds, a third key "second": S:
{"hour": 8, "minute": 5}
